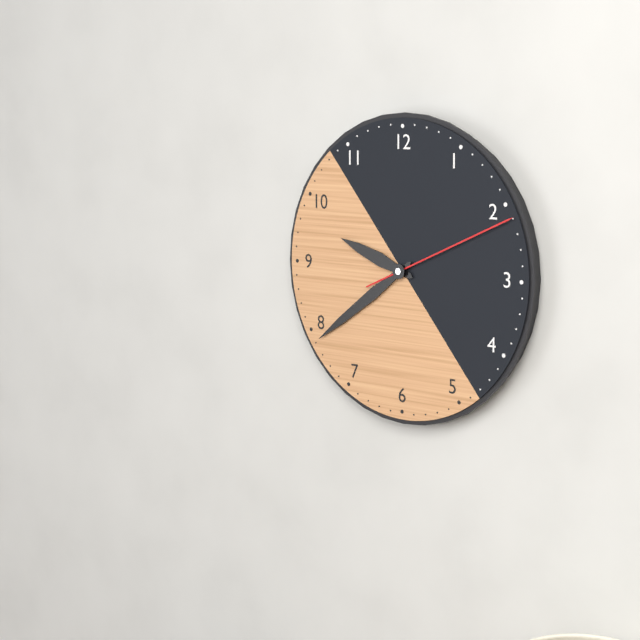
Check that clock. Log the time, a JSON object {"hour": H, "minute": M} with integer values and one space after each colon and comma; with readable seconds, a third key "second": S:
{"hour": 9, "minute": 39, "second": 11}
